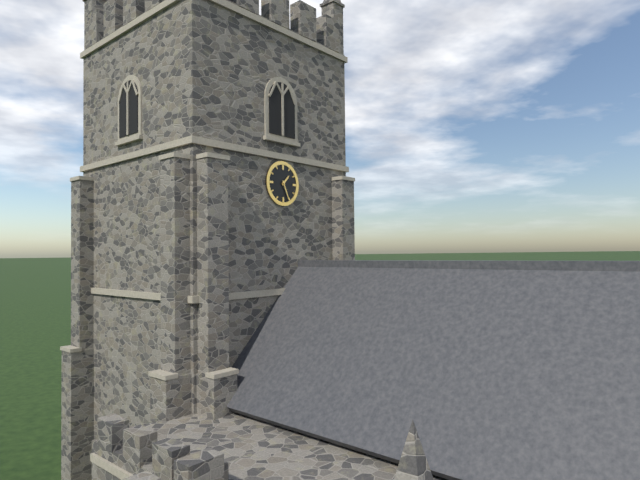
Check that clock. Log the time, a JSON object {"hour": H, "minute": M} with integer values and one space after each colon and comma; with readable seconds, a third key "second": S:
{"hour": 1, "minute": 26}
